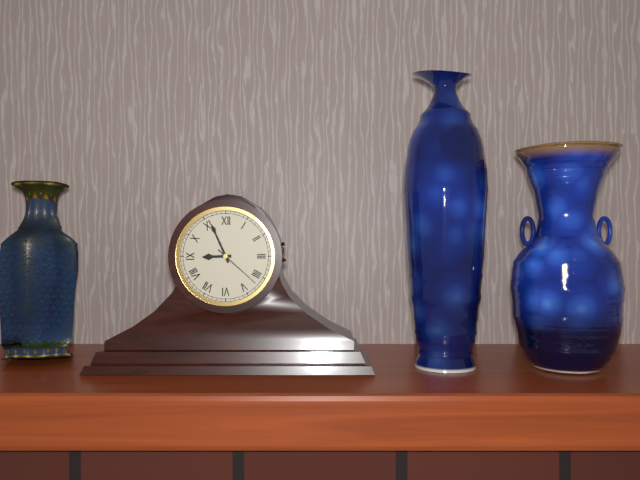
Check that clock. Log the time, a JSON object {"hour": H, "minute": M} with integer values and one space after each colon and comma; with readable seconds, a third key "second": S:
{"hour": 8, "minute": 56, "second": 22}
